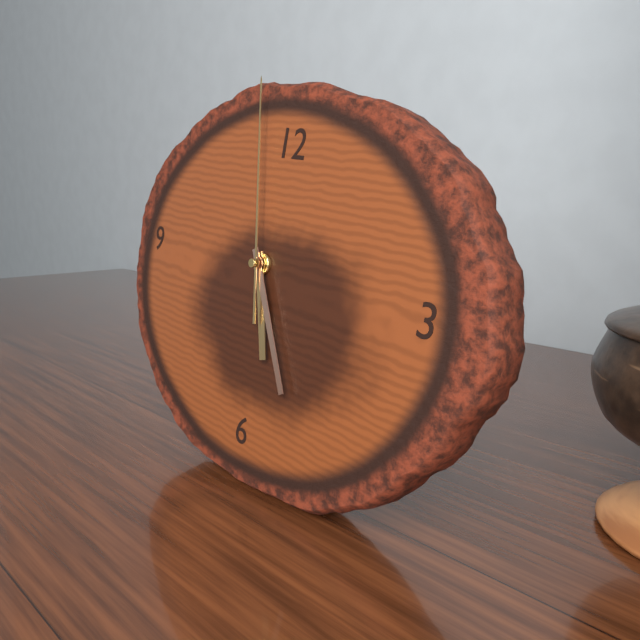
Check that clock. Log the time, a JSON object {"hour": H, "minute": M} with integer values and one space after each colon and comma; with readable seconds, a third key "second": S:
{"hour": 5, "minute": 25, "second": 58}
